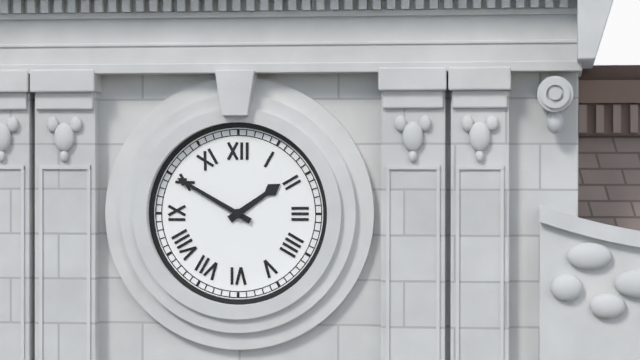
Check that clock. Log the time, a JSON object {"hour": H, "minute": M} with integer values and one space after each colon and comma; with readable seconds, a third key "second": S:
{"hour": 1, "minute": 50}
